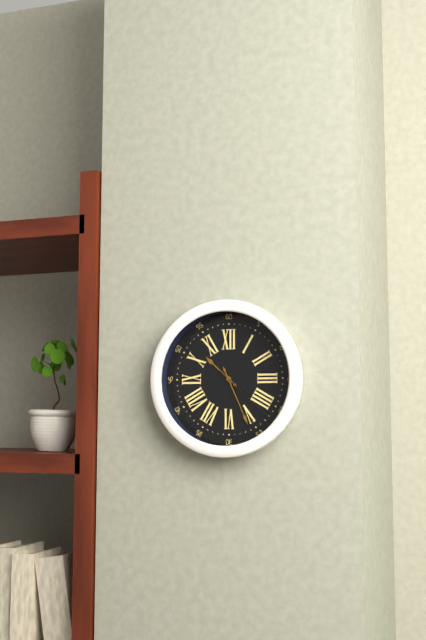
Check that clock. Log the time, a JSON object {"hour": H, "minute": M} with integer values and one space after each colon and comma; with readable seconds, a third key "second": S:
{"hour": 10, "minute": 26, "second": 22}
